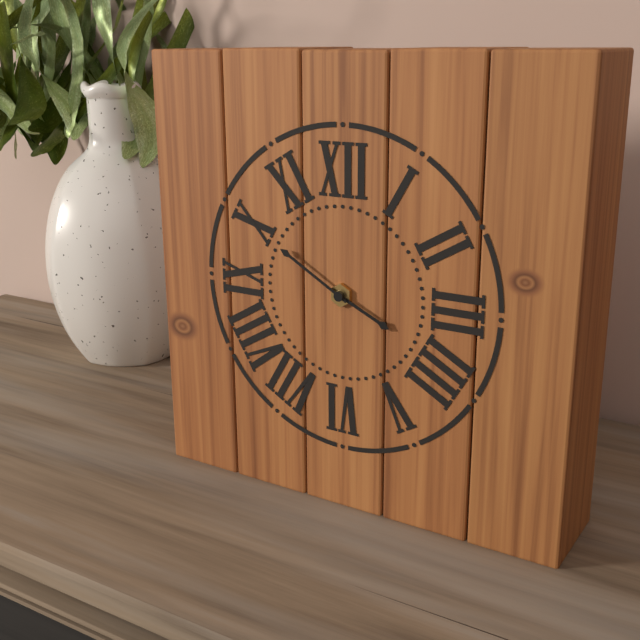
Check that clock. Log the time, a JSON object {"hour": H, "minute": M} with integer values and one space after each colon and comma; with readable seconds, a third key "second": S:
{"hour": 3, "minute": 50}
